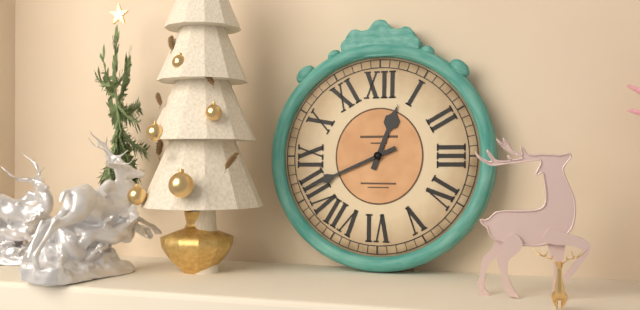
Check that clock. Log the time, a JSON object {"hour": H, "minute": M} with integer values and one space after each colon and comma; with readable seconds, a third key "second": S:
{"hour": 12, "minute": 41}
